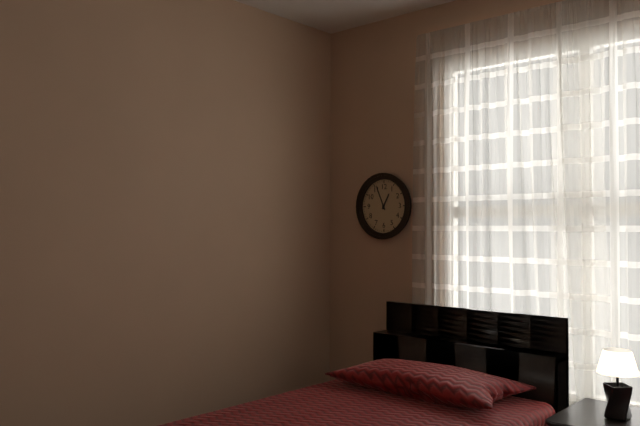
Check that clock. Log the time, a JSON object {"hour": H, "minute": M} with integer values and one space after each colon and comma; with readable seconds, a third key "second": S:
{"hour": 12, "minute": 56}
